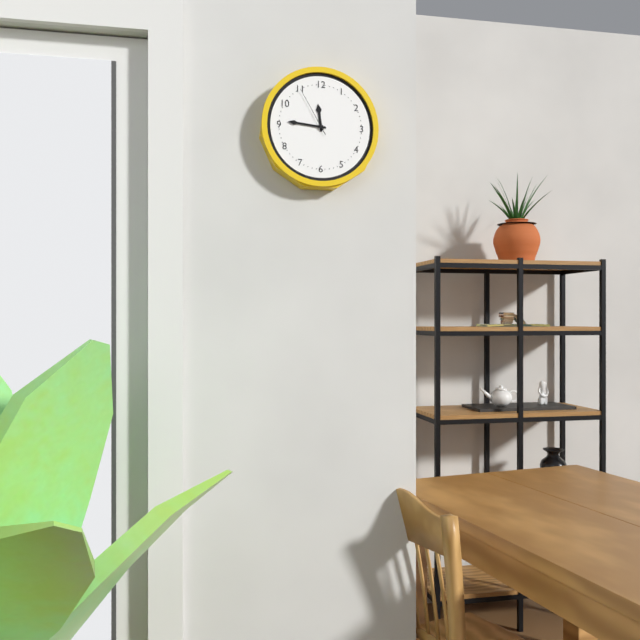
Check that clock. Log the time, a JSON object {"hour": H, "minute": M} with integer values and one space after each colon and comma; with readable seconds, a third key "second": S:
{"hour": 11, "minute": 46, "second": 55}
